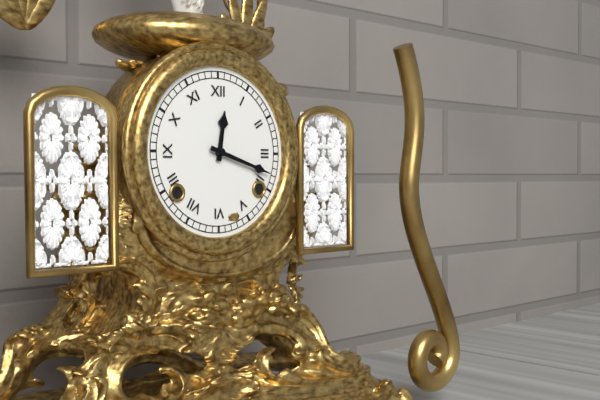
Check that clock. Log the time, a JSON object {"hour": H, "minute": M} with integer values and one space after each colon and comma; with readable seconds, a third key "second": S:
{"hour": 12, "minute": 18}
